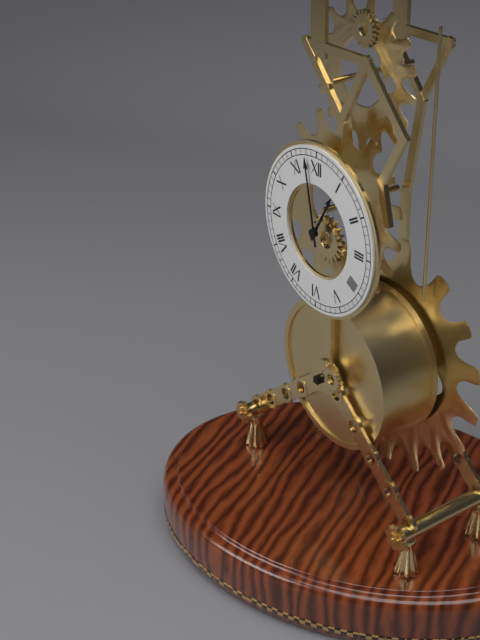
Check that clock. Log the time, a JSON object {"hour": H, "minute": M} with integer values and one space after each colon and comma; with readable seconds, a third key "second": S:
{"hour": 12, "minute": 58}
